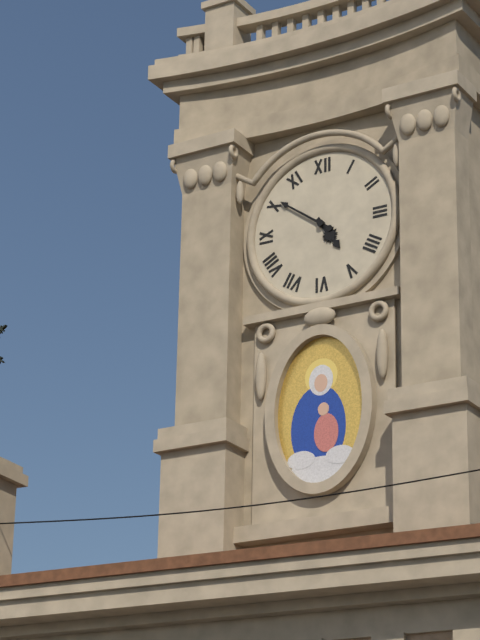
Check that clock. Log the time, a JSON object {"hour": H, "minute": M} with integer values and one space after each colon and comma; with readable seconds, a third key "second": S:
{"hour": 4, "minute": 51}
